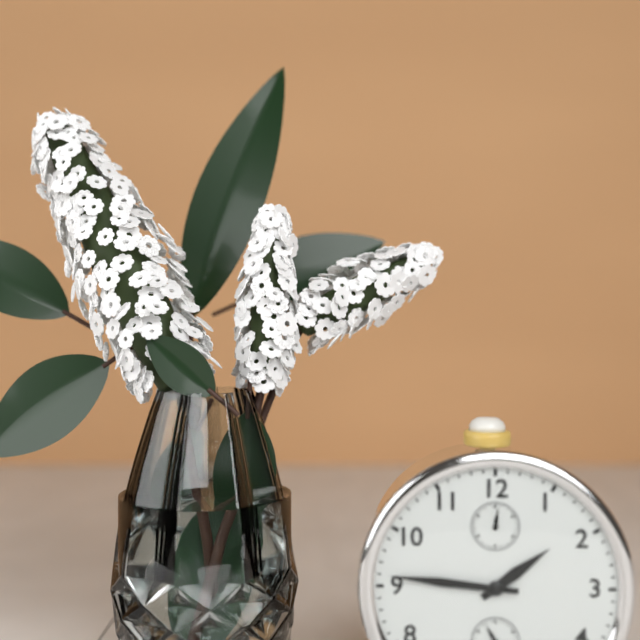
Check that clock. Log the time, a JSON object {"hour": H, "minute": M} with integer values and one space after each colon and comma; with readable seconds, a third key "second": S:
{"hour": 1, "minute": 46}
